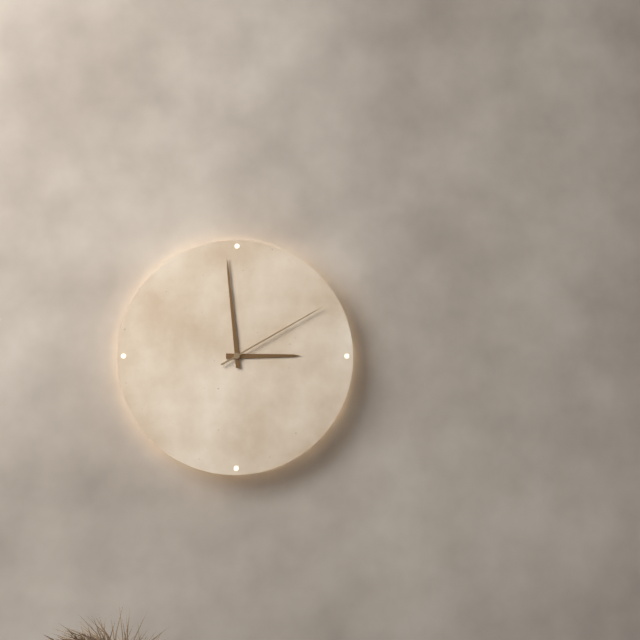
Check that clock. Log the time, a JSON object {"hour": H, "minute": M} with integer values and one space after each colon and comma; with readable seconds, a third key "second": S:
{"hour": 2, "minute": 59, "second": 10}
